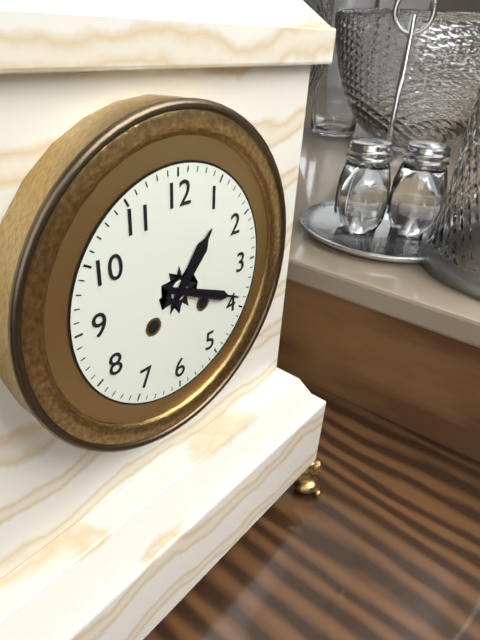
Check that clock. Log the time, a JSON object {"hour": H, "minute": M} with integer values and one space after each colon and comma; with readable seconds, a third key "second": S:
{"hour": 1, "minute": 19}
